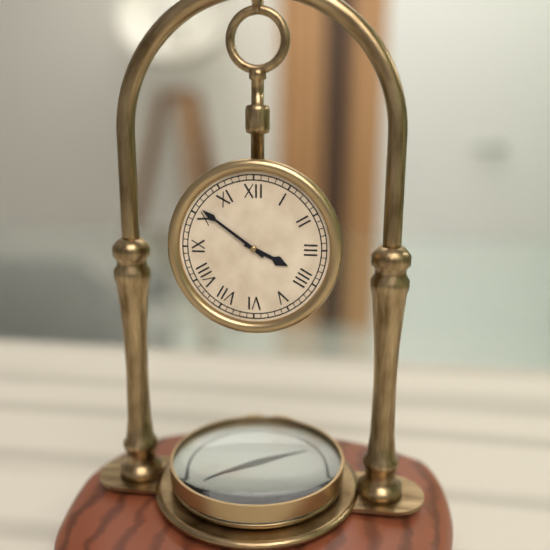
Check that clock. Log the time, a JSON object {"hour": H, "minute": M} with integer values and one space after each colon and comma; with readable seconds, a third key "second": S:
{"hour": 3, "minute": 51}
